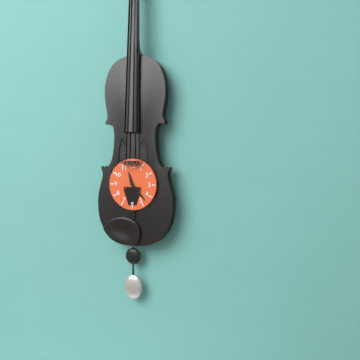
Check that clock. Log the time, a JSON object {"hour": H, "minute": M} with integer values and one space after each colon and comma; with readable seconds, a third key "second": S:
{"hour": 11, "minute": 23}
